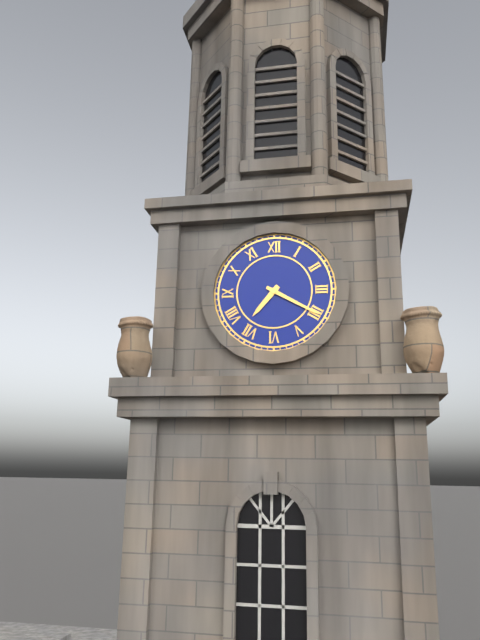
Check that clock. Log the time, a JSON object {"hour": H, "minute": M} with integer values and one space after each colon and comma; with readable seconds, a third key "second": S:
{"hour": 7, "minute": 20}
